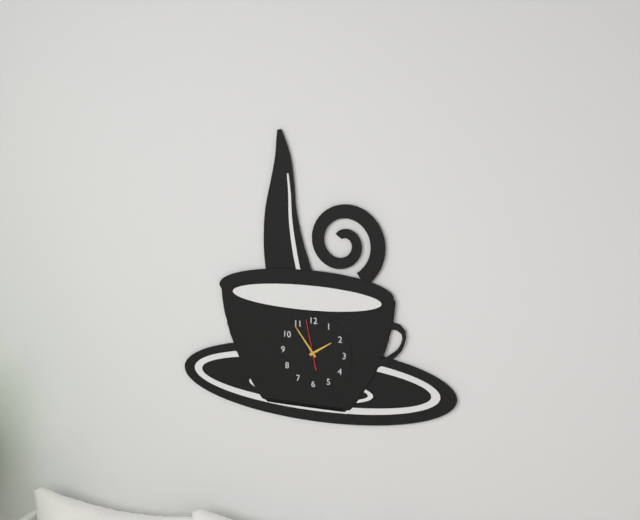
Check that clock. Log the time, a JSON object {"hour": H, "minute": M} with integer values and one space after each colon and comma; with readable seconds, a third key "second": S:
{"hour": 1, "minute": 54}
